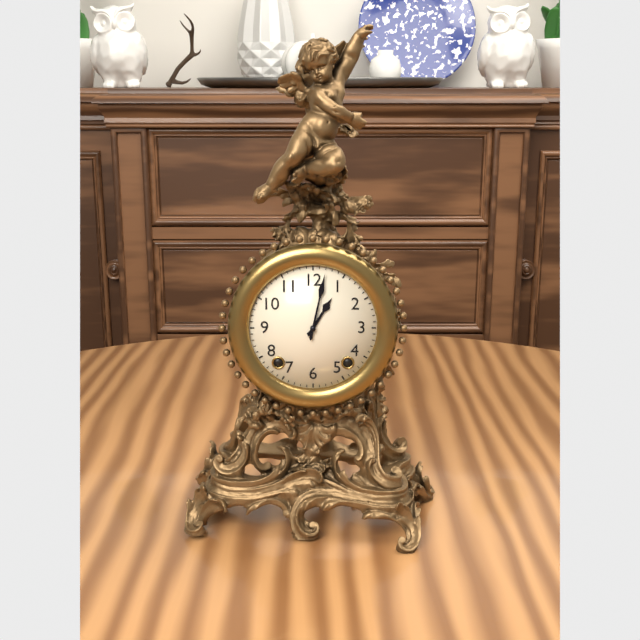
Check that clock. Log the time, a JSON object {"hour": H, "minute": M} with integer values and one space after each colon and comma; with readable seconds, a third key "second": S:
{"hour": 1, "minute": 2}
